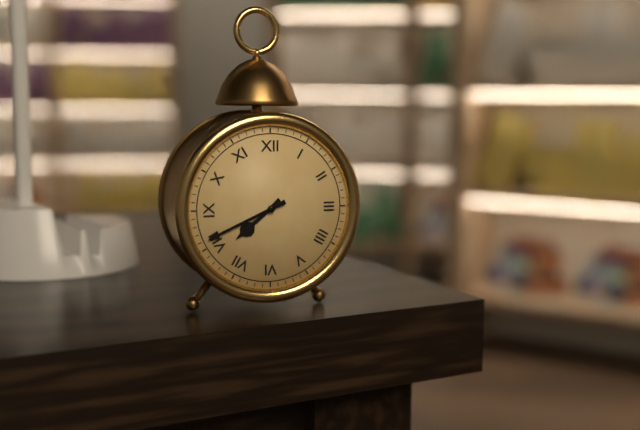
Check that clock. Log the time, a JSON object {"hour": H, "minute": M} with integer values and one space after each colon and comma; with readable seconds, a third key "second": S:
{"hour": 7, "minute": 41}
